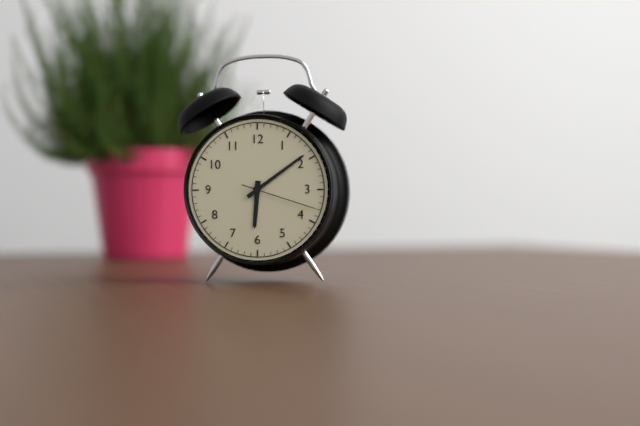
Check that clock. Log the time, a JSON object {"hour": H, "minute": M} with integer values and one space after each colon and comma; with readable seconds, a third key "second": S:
{"hour": 6, "minute": 9, "second": 18}
